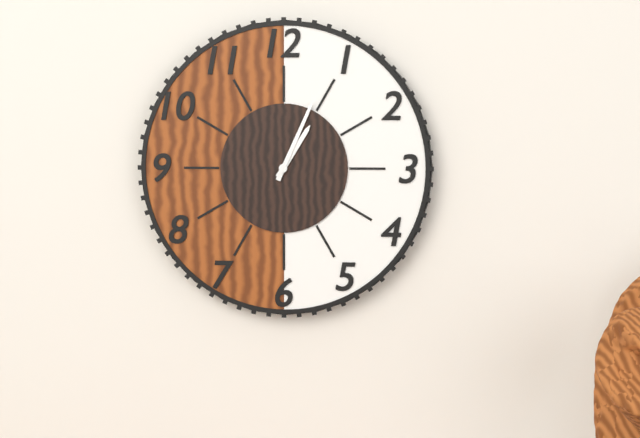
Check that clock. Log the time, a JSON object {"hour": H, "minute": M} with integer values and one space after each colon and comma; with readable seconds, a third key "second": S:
{"hour": 1, "minute": 4}
